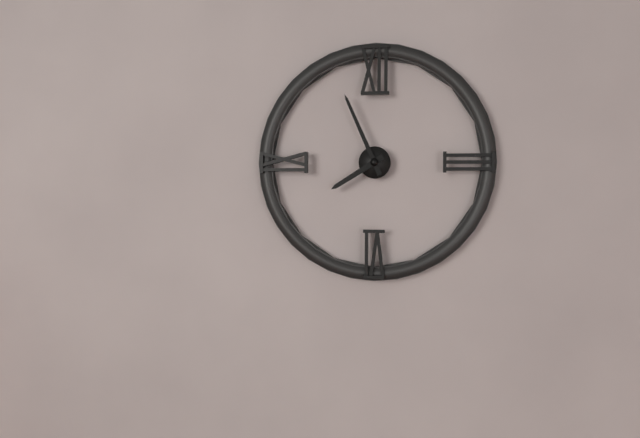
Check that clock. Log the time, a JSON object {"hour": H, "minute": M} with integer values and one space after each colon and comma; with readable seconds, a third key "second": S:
{"hour": 7, "minute": 56}
